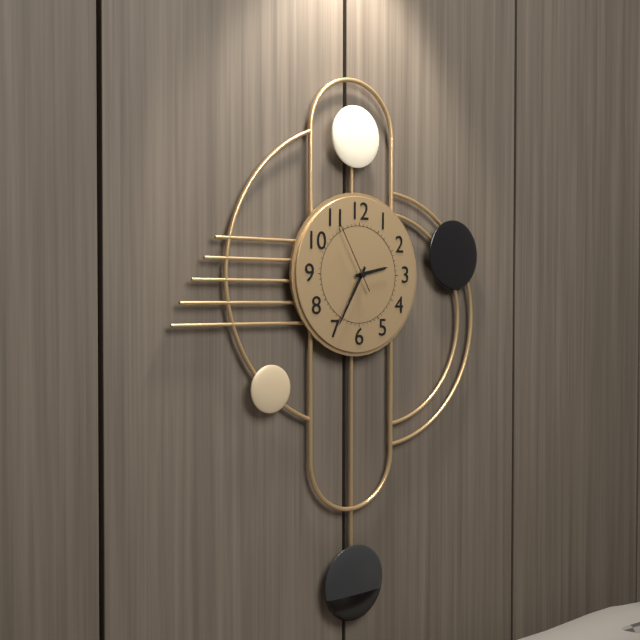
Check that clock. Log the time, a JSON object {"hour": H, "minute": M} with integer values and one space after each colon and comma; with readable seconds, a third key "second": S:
{"hour": 2, "minute": 35, "second": 55}
